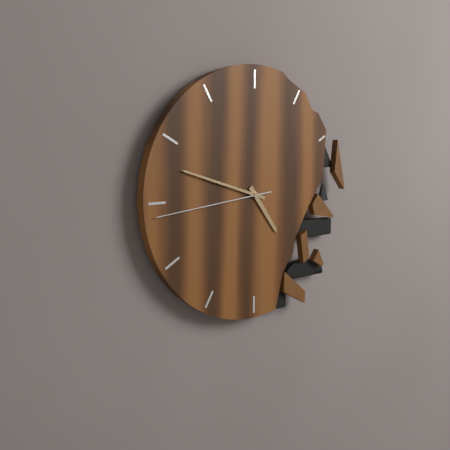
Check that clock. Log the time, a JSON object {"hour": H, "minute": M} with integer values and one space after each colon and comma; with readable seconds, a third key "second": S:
{"hour": 4, "minute": 48, "second": 44}
